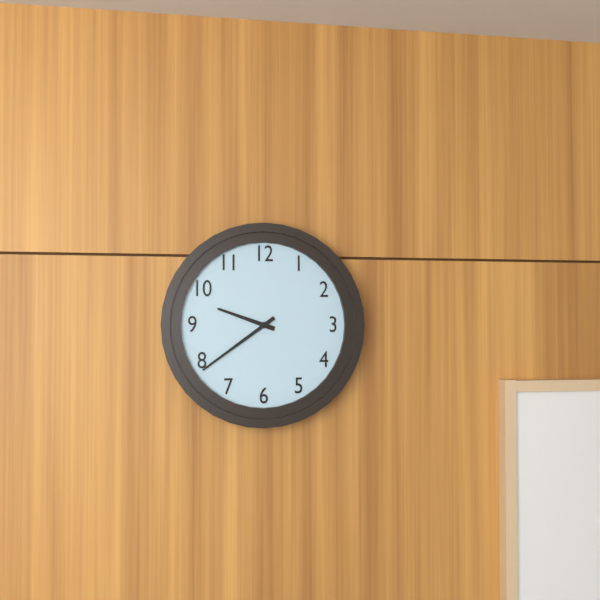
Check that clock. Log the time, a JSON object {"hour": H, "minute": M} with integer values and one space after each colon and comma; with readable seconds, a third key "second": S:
{"hour": 9, "minute": 39}
